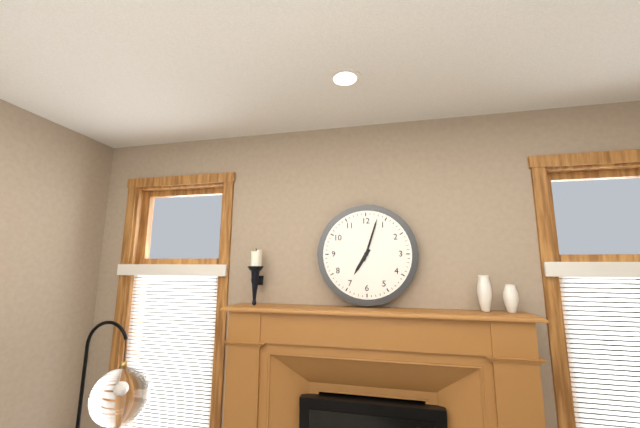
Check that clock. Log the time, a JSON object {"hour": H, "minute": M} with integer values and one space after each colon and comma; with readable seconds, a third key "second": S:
{"hour": 7, "minute": 3}
